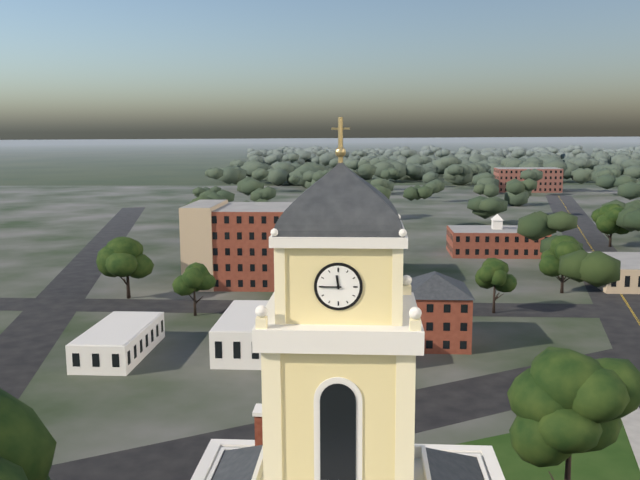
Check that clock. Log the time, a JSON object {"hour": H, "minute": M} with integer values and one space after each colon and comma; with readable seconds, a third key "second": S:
{"hour": 11, "minute": 45}
